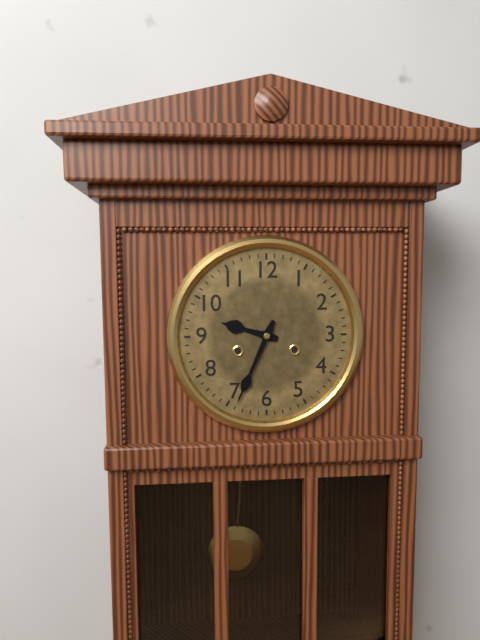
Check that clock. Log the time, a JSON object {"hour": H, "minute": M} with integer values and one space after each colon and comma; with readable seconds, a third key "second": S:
{"hour": 9, "minute": 34}
